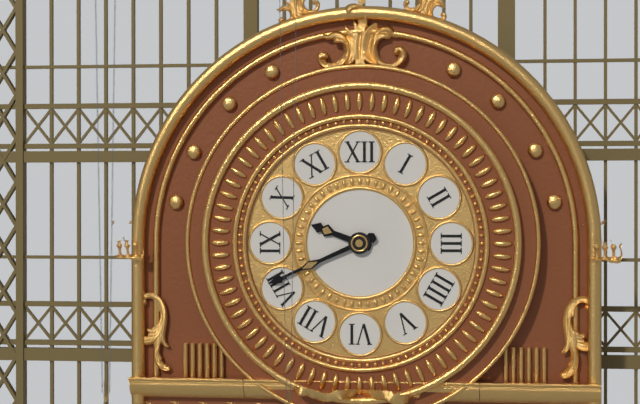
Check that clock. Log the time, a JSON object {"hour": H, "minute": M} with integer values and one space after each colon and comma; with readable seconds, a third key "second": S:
{"hour": 9, "minute": 41}
